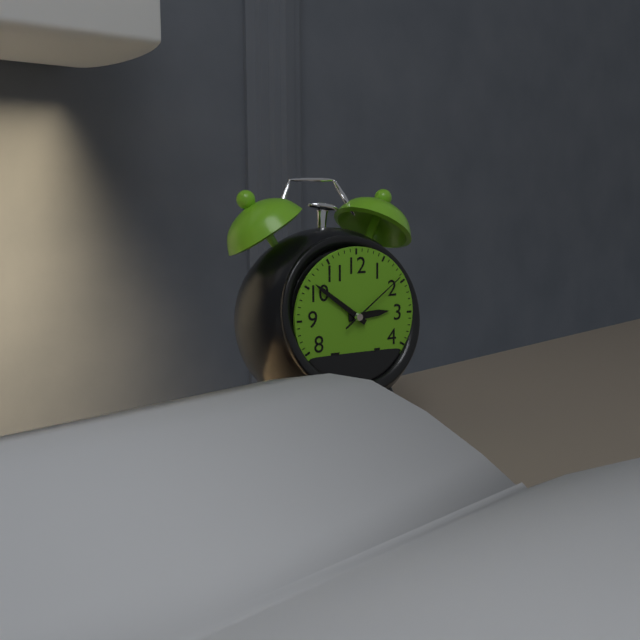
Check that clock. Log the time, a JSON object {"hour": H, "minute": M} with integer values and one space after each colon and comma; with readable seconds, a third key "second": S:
{"hour": 2, "minute": 51, "second": 9}
